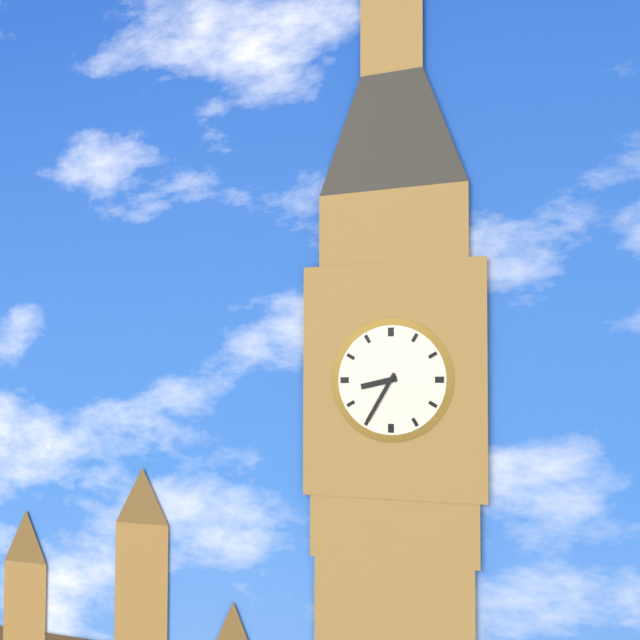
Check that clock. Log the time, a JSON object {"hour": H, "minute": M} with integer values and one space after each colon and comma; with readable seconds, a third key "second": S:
{"hour": 8, "minute": 35}
